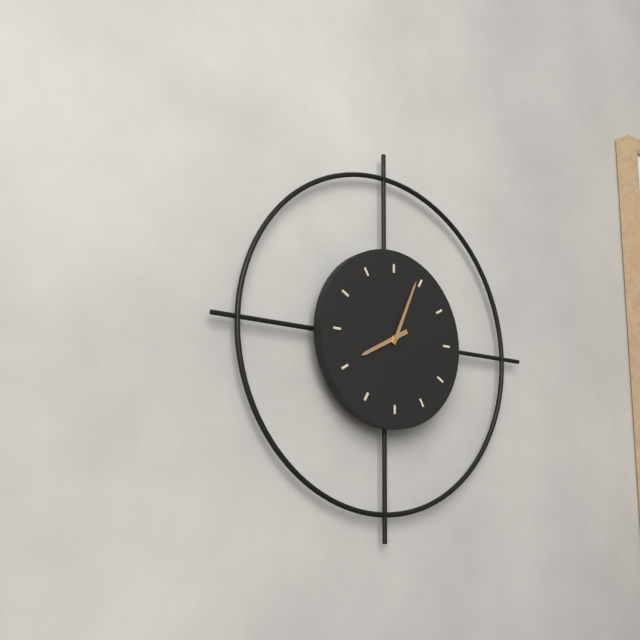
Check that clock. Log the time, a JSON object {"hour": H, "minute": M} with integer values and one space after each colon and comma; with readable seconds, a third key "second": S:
{"hour": 8, "minute": 4}
